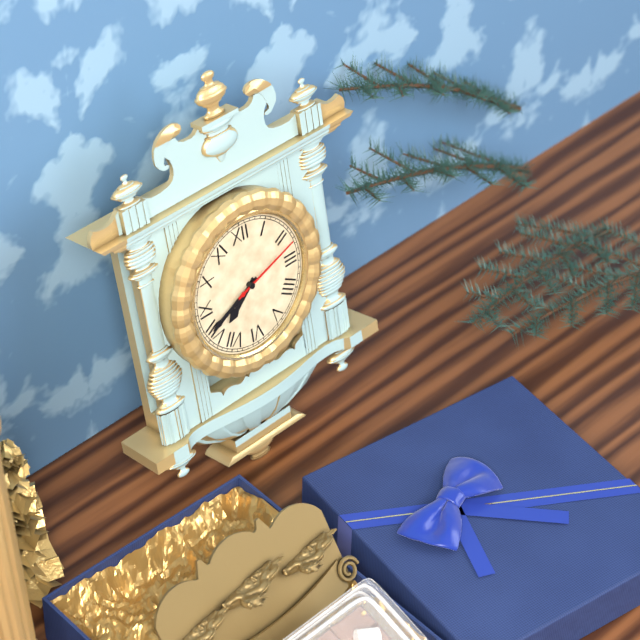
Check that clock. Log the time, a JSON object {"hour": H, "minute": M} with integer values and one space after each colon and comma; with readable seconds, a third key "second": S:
{"hour": 7, "minute": 41, "second": 12}
